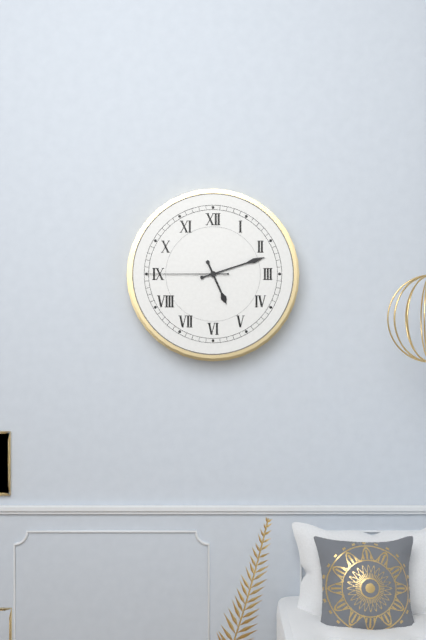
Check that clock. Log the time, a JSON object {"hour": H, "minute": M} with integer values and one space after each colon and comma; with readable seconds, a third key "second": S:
{"hour": 5, "minute": 12, "second": 45}
